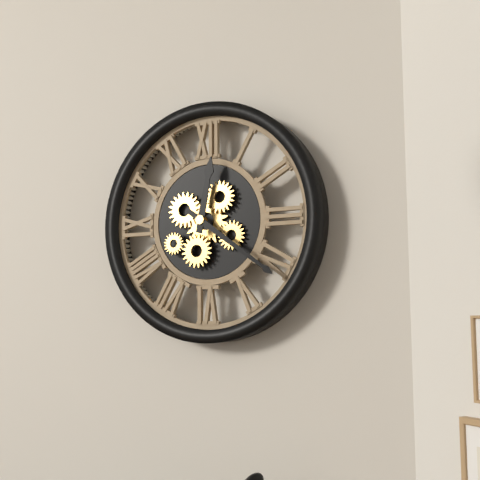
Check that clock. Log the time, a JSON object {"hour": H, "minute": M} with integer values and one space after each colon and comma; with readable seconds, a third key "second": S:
{"hour": 12, "minute": 21}
